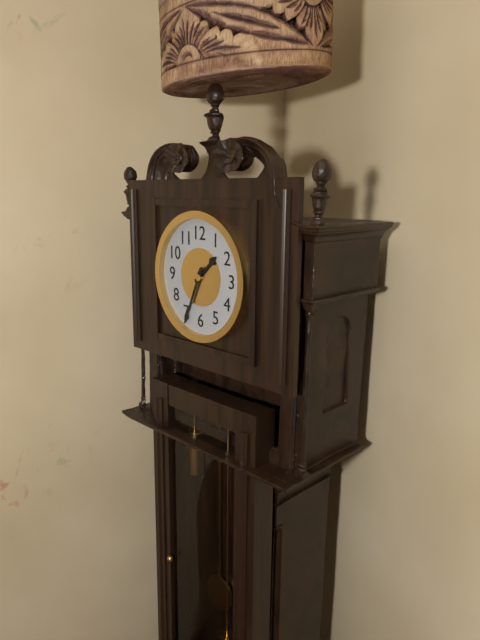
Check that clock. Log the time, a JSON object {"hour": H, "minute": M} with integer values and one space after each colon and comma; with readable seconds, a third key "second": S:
{"hour": 1, "minute": 34}
